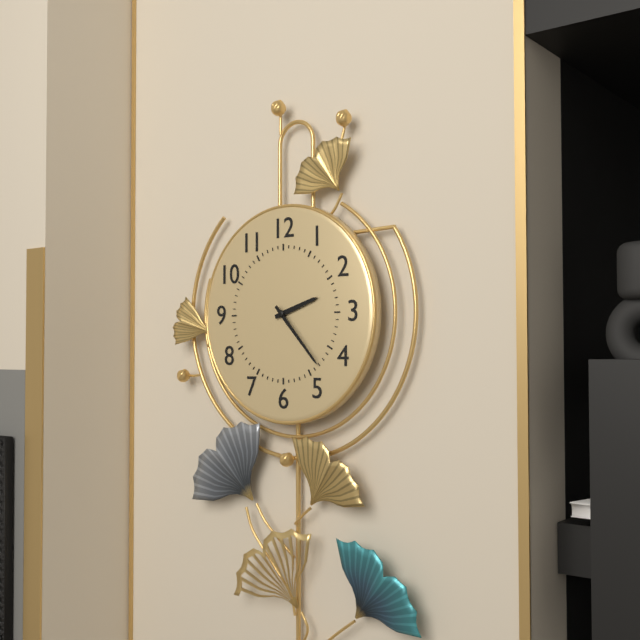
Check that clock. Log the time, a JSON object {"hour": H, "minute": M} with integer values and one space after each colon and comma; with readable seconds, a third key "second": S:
{"hour": 2, "minute": 23}
